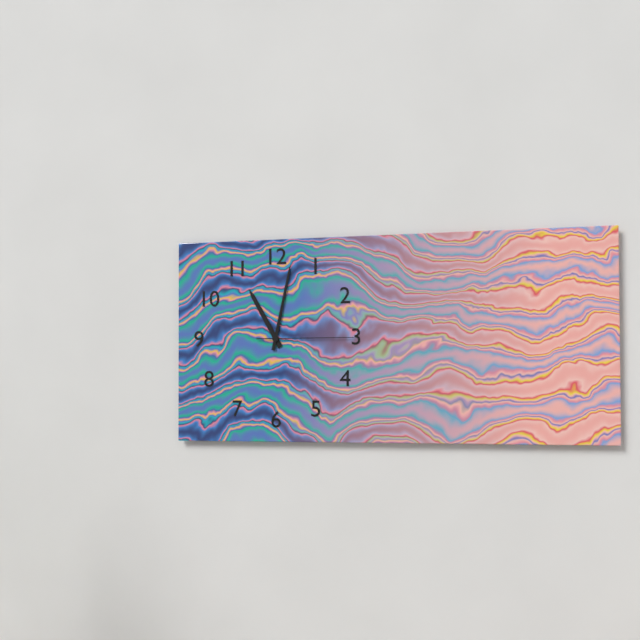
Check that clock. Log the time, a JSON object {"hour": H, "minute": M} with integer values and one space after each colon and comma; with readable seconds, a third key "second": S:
{"hour": 11, "minute": 2, "second": 15}
